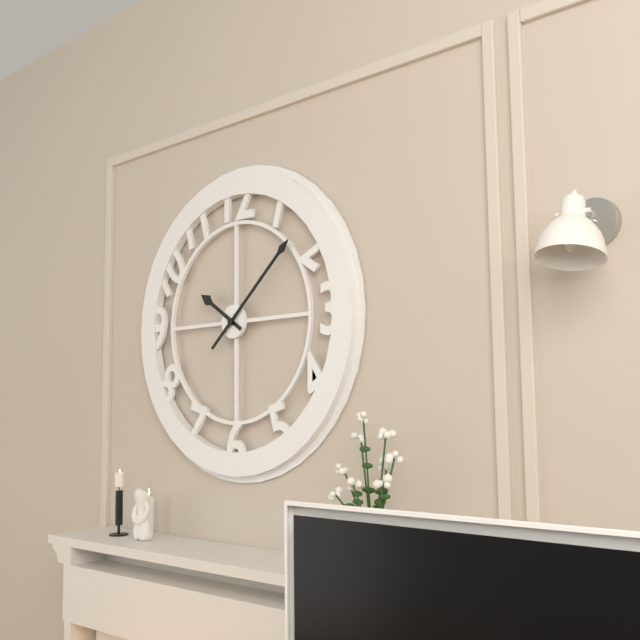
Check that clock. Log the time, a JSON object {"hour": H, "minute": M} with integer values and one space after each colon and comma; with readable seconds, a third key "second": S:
{"hour": 10, "minute": 8}
